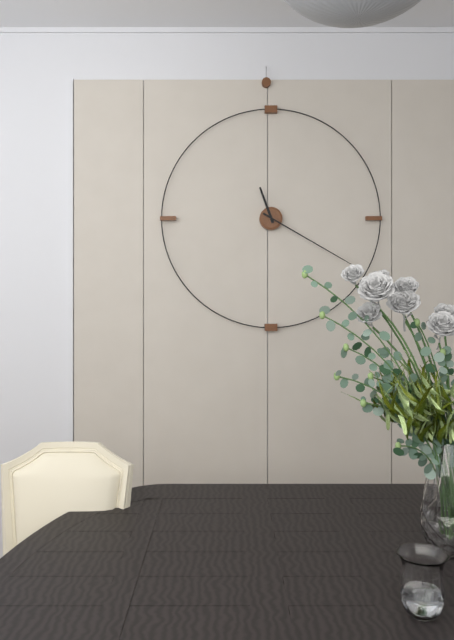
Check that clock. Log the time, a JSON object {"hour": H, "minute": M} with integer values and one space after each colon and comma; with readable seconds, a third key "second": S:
{"hour": 11, "minute": 20}
